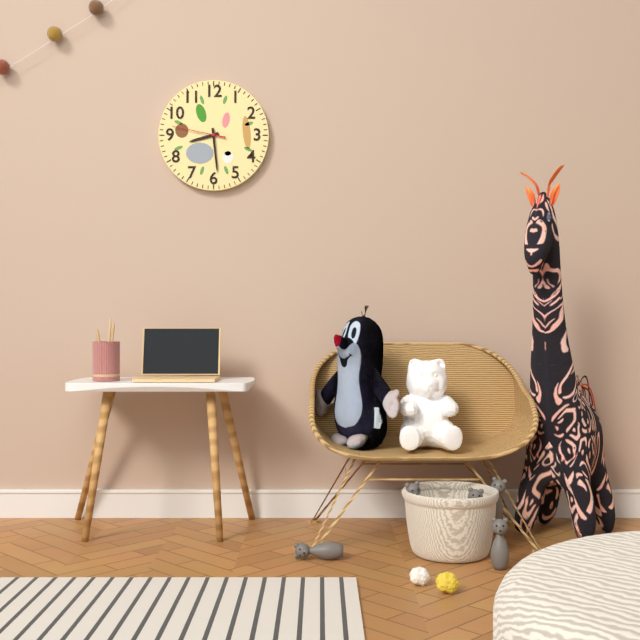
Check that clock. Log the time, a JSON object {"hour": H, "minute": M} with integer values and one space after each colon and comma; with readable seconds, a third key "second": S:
{"hour": 8, "minute": 29, "second": 47}
